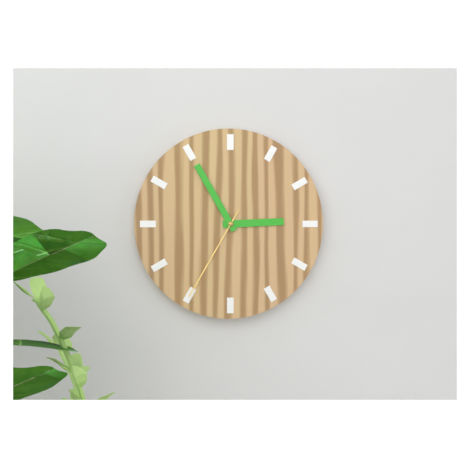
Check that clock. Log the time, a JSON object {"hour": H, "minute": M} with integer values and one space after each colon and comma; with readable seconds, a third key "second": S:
{"hour": 2, "minute": 55, "second": 35}
